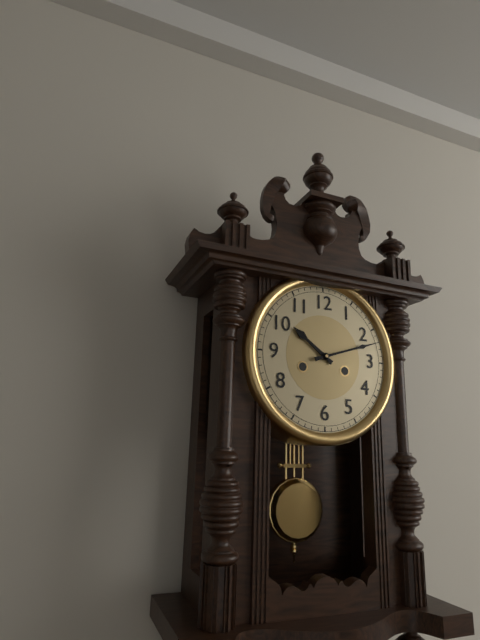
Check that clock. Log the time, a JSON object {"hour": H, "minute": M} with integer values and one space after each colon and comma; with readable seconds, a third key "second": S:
{"hour": 10, "minute": 12}
